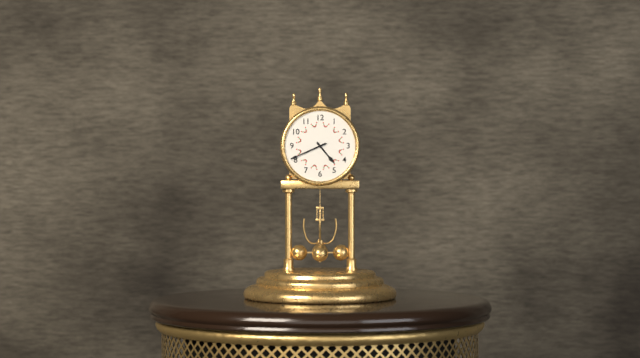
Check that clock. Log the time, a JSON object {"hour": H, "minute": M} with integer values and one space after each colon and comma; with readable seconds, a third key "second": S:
{"hour": 4, "minute": 41}
